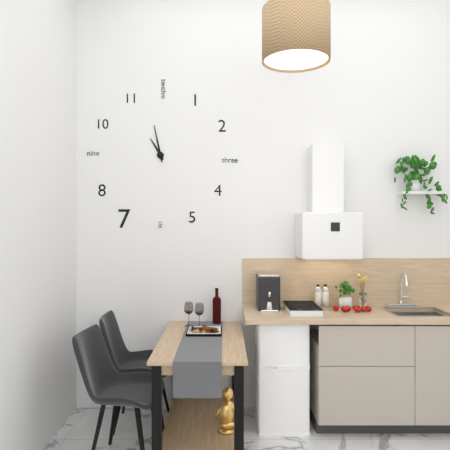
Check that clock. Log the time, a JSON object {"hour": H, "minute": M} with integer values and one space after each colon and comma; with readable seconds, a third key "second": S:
{"hour": 10, "minute": 58}
